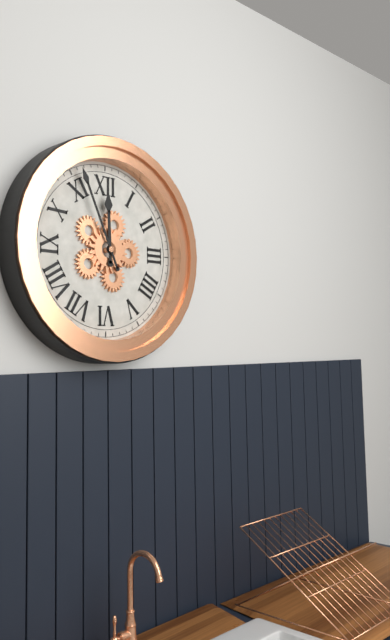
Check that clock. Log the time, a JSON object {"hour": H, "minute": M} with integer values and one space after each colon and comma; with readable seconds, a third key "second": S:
{"hour": 11, "minute": 56}
